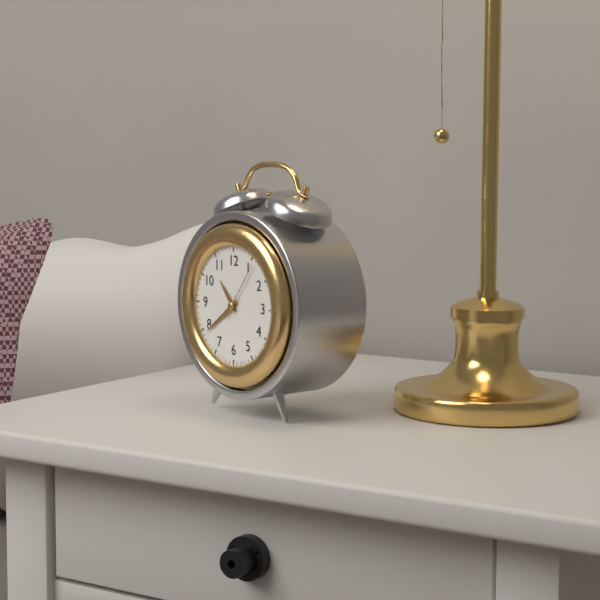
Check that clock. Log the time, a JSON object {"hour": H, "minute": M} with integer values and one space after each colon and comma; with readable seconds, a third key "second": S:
{"hour": 10, "minute": 39, "second": 6}
